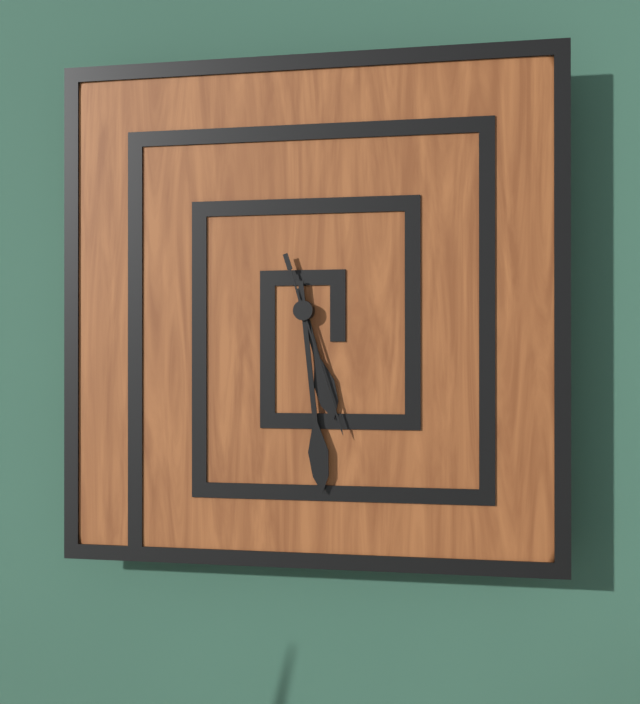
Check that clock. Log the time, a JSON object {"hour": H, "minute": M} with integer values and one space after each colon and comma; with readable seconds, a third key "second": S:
{"hour": 5, "minute": 29, "second": 27}
